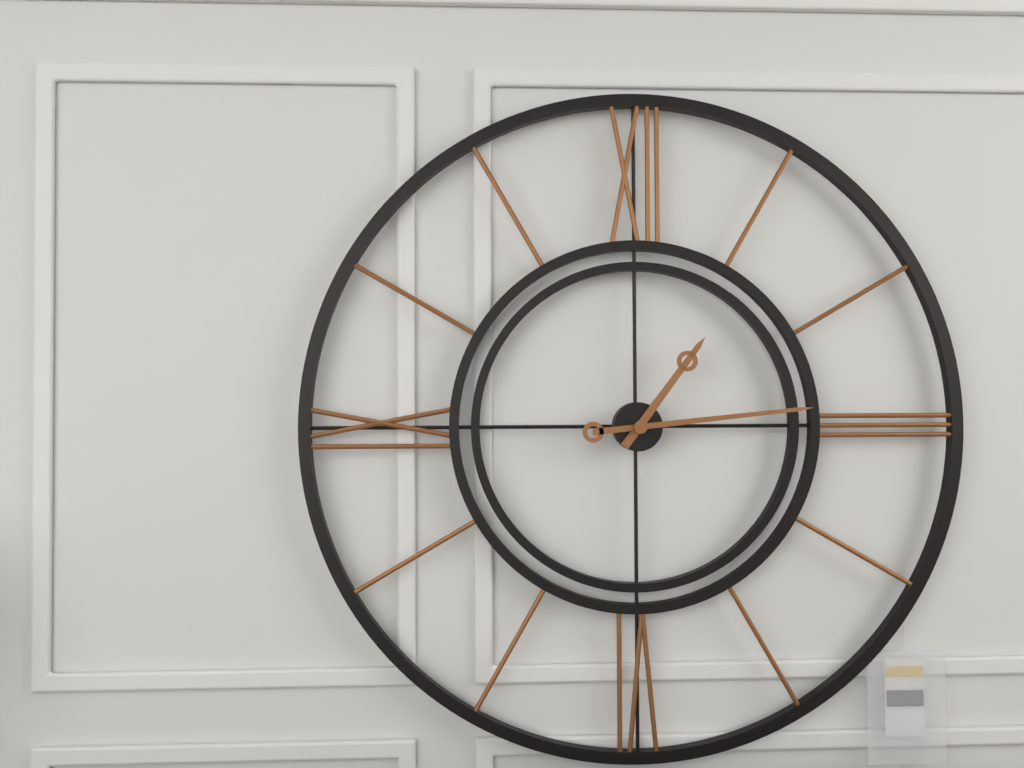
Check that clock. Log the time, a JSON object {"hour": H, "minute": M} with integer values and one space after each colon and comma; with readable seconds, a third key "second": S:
{"hour": 1, "minute": 14}
